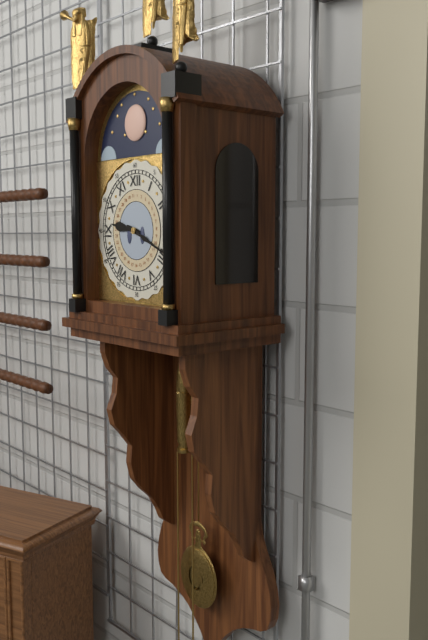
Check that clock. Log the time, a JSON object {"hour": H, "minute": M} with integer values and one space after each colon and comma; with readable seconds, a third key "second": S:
{"hour": 9, "minute": 19}
